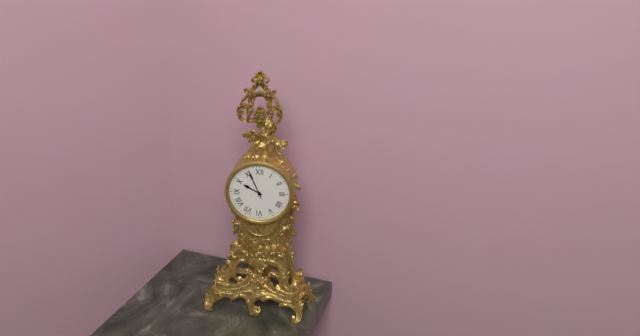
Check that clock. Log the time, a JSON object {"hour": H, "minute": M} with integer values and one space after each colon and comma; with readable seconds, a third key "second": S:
{"hour": 9, "minute": 56}
